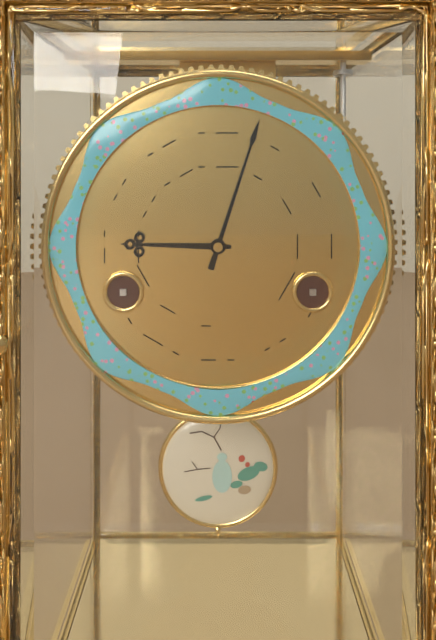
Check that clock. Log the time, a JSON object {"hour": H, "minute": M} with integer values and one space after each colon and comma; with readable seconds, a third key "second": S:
{"hour": 9, "minute": 3}
